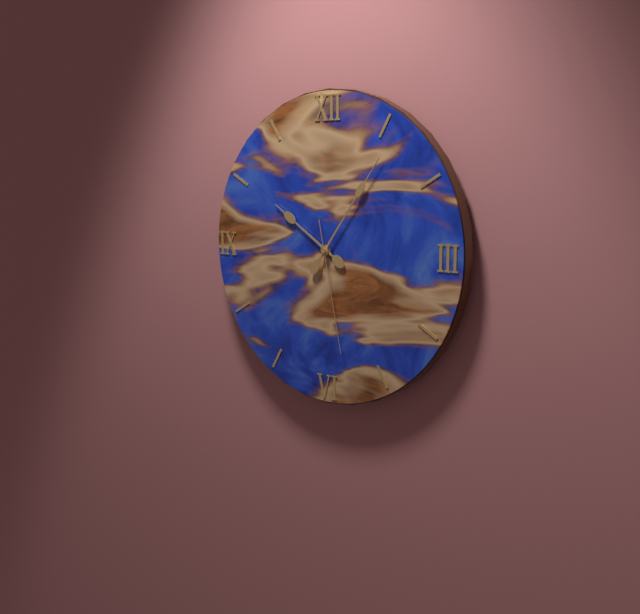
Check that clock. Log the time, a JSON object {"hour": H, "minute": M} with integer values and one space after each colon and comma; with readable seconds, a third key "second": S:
{"hour": 10, "minute": 6, "second": 28}
